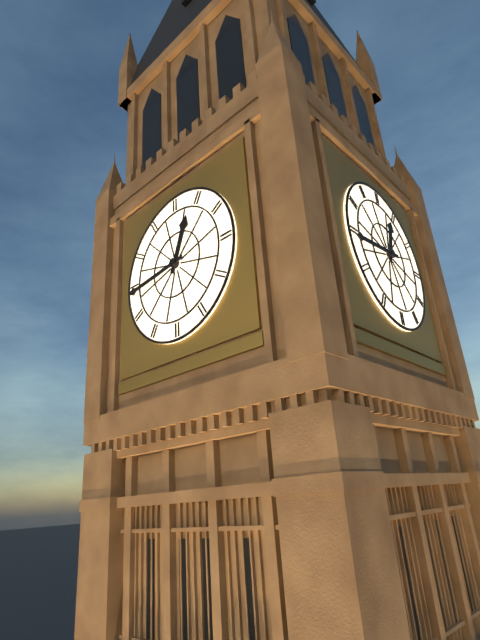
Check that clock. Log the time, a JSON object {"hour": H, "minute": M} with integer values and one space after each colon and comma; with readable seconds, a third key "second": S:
{"hour": 12, "minute": 44}
